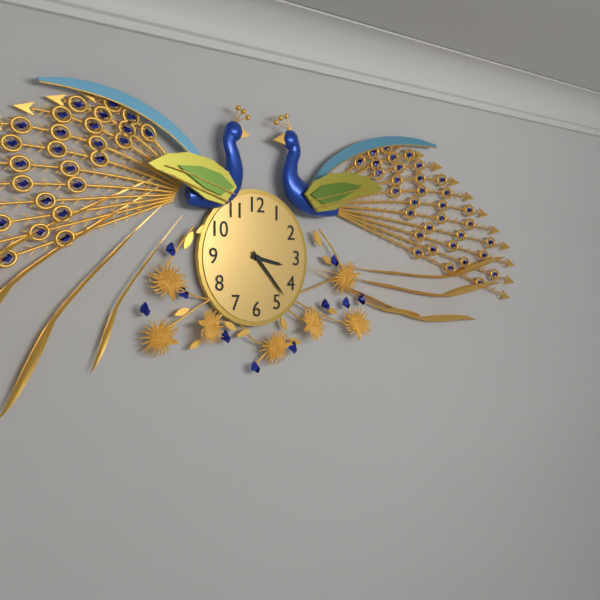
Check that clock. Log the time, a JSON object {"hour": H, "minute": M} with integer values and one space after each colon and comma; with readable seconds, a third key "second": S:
{"hour": 3, "minute": 23}
